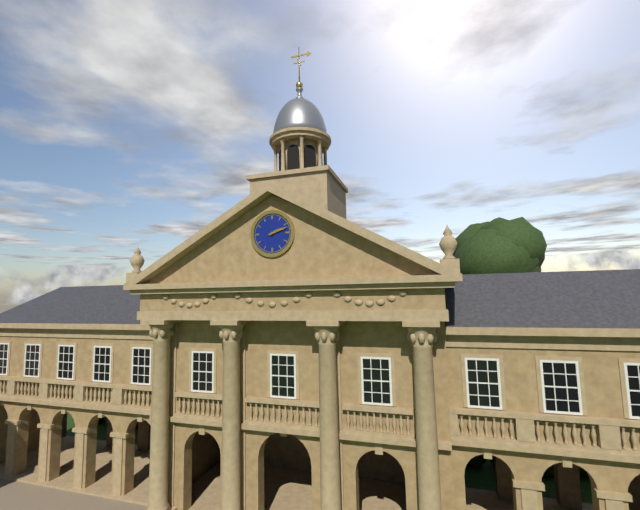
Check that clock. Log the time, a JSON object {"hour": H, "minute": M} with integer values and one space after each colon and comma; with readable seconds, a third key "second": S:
{"hour": 2, "minute": 12}
